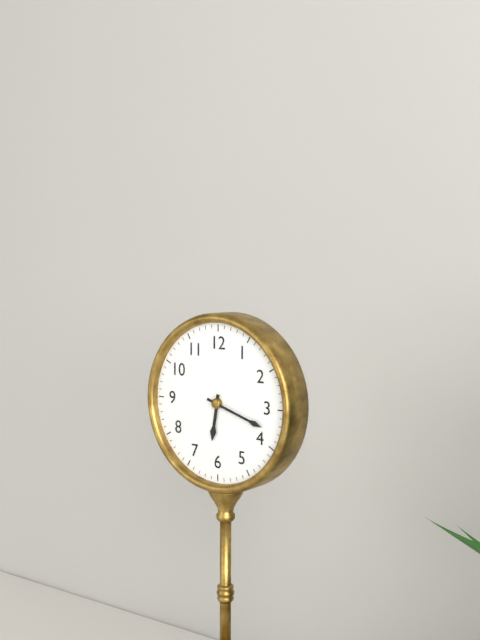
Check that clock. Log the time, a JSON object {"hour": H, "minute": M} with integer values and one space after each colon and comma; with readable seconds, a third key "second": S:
{"hour": 6, "minute": 18}
